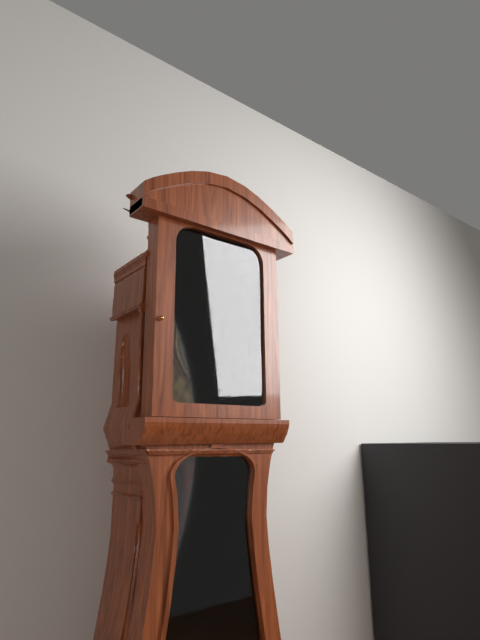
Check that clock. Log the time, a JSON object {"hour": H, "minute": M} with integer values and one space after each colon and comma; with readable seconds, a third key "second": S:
{"hour": 10, "minute": 49}
